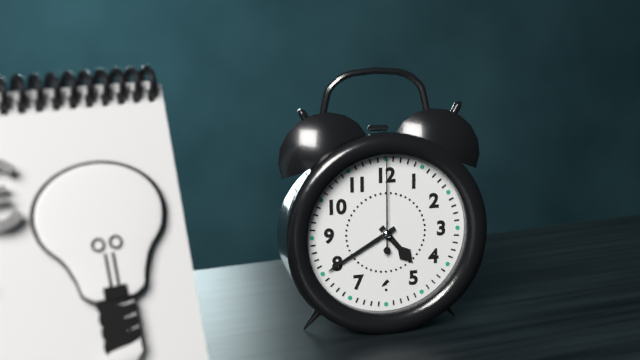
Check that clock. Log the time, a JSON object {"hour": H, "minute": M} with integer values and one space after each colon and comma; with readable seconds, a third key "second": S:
{"hour": 4, "minute": 40, "second": 0}
